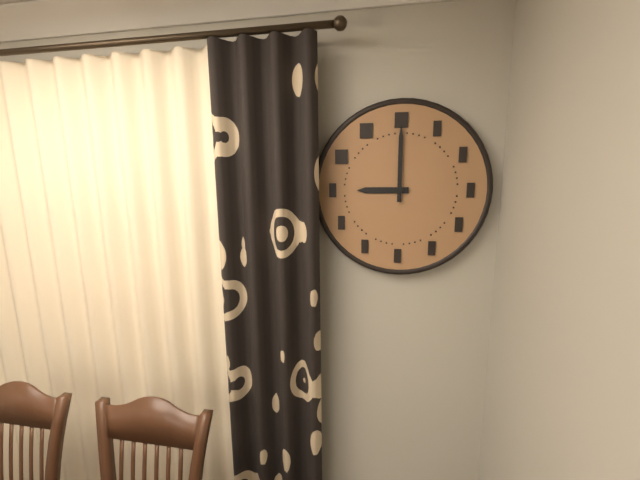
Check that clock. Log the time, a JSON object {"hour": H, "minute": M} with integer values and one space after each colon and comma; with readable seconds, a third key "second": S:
{"hour": 9, "minute": 0}
